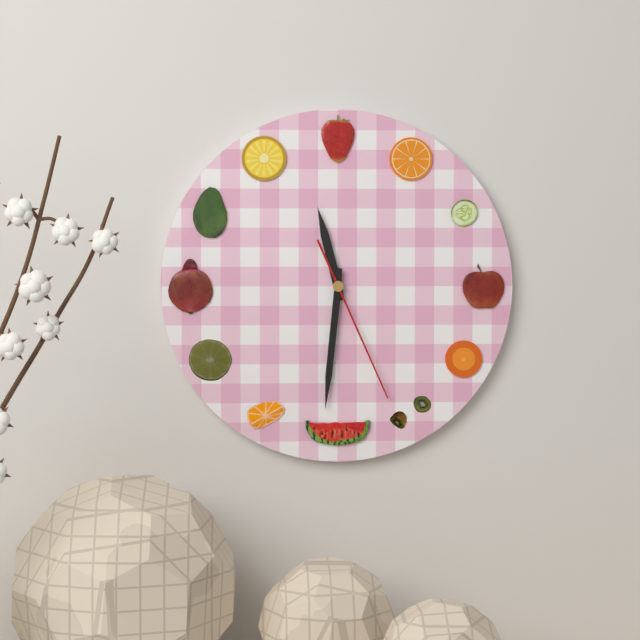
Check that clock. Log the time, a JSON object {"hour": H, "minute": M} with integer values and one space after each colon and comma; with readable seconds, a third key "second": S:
{"hour": 11, "minute": 31, "second": 26}
